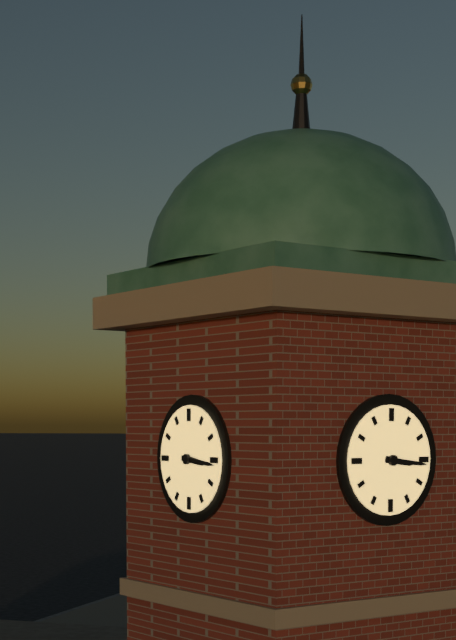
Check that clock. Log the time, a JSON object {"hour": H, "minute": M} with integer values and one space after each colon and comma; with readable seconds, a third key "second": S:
{"hour": 3, "minute": 16}
